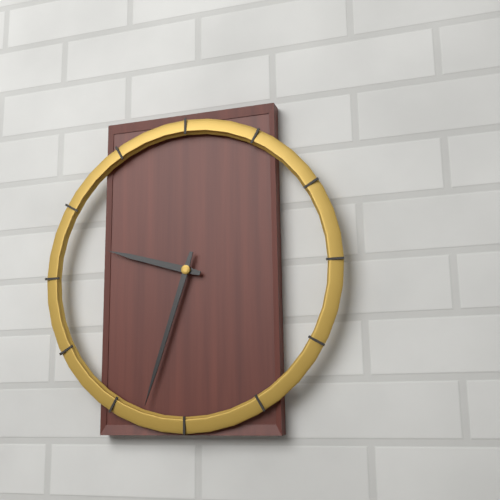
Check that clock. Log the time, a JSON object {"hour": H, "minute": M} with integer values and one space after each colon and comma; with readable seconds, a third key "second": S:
{"hour": 9, "minute": 33}
